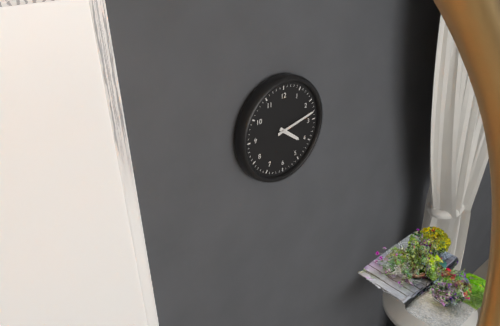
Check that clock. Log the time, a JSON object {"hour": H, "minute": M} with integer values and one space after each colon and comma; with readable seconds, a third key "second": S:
{"hour": 4, "minute": 13}
